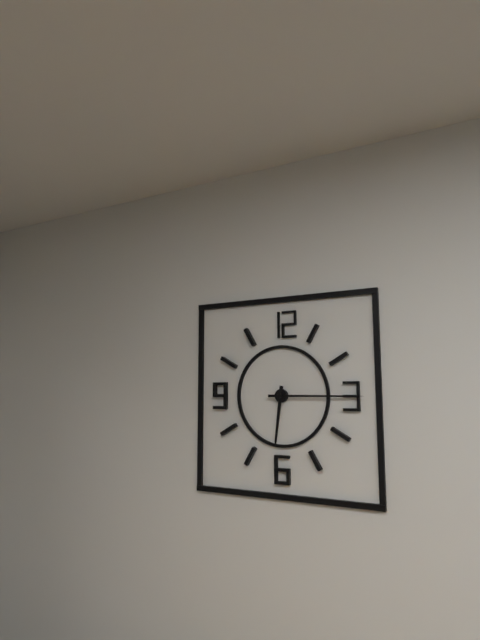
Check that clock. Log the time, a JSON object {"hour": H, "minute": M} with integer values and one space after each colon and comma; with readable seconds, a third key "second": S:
{"hour": 6, "minute": 15}
